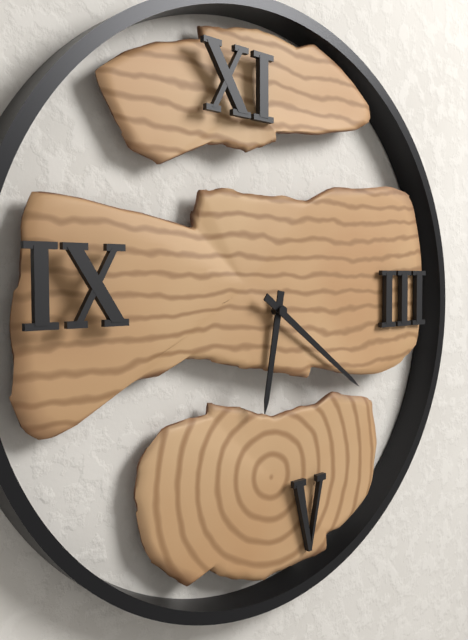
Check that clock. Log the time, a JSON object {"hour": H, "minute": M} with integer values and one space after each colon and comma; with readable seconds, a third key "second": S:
{"hour": 6, "minute": 21}
